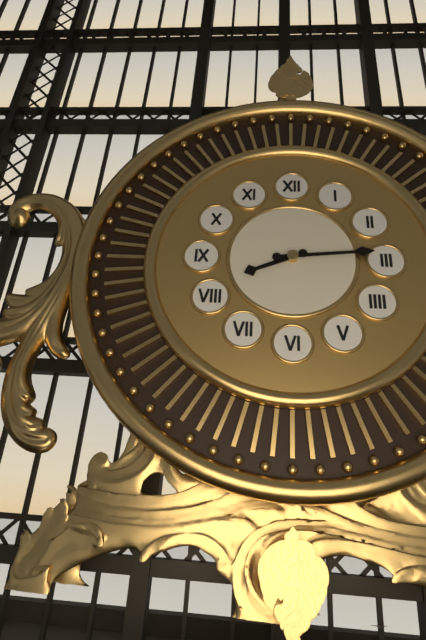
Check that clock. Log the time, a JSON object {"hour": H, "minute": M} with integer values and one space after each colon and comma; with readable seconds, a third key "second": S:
{"hour": 8, "minute": 14}
